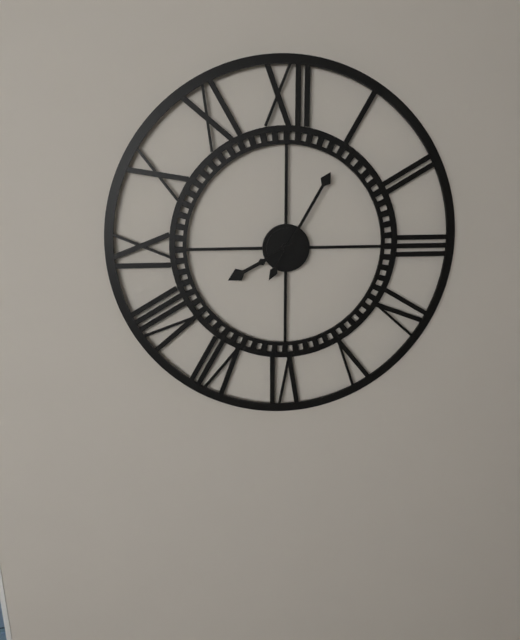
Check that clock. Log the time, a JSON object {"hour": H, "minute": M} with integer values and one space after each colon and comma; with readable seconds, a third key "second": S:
{"hour": 8, "minute": 5}
